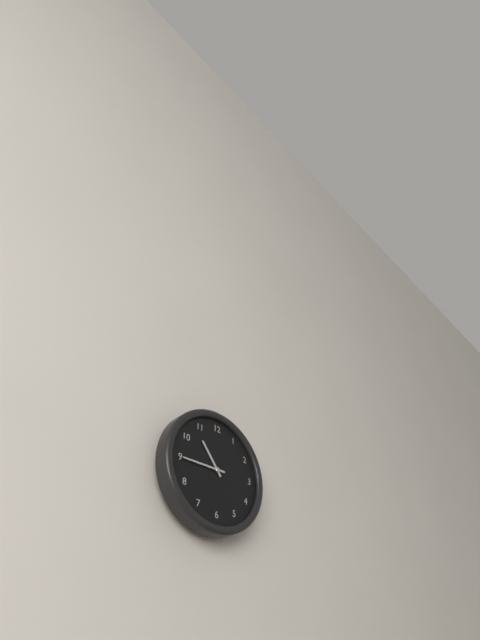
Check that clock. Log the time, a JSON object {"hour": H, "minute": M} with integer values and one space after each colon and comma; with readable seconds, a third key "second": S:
{"hour": 10, "minute": 45}
